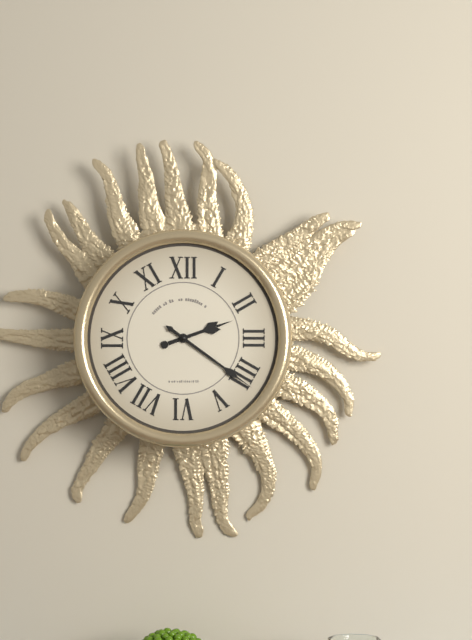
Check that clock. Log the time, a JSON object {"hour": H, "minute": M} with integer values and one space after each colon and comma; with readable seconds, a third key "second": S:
{"hour": 2, "minute": 21}
